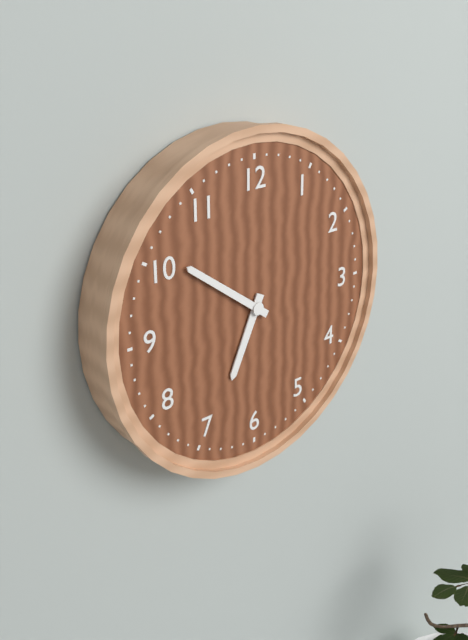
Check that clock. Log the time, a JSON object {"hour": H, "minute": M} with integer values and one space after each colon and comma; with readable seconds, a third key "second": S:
{"hour": 6, "minute": 51}
